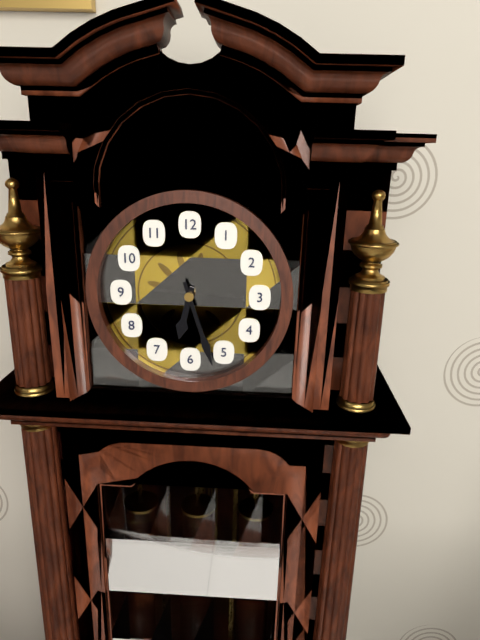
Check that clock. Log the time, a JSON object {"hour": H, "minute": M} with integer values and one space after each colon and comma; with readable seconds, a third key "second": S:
{"hour": 6, "minute": 27}
